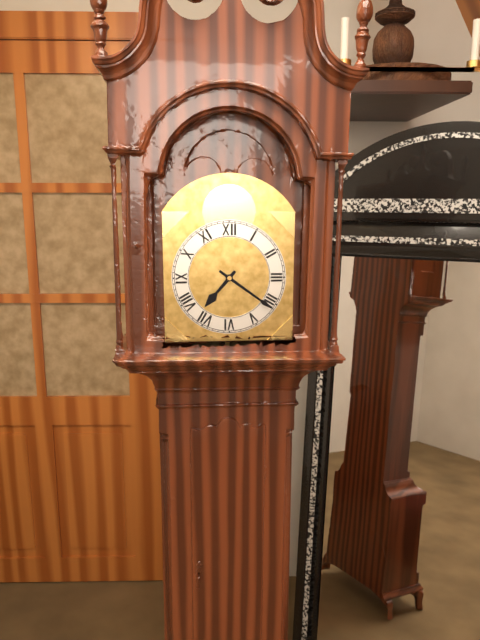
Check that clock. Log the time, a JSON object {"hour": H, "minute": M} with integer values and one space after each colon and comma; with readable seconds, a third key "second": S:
{"hour": 7, "minute": 21}
